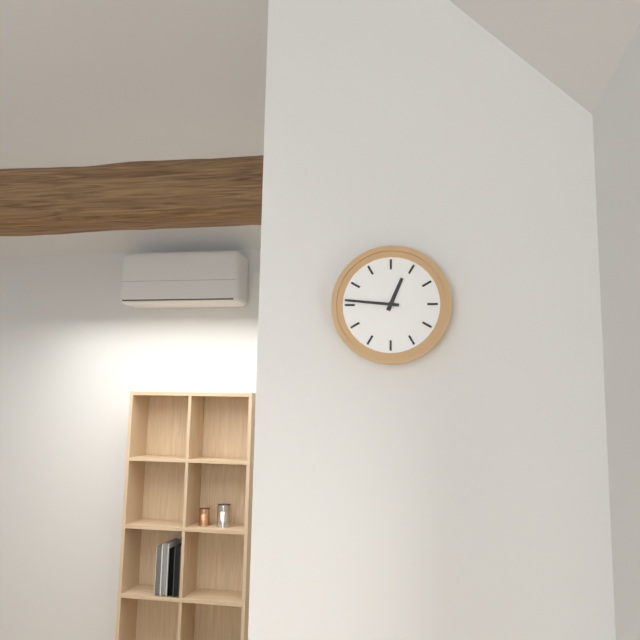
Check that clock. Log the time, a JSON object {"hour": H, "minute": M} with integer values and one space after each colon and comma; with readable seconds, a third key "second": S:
{"hour": 12, "minute": 46}
